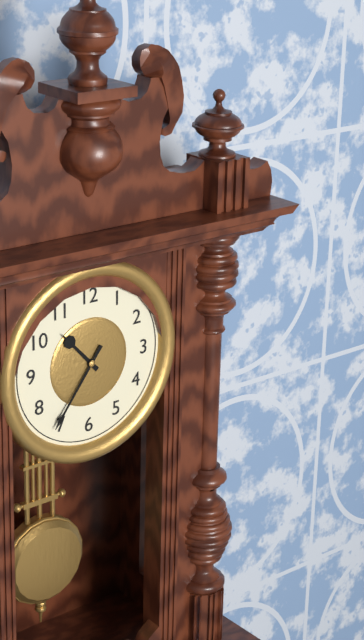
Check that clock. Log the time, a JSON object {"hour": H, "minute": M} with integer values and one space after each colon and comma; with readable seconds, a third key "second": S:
{"hour": 10, "minute": 36}
